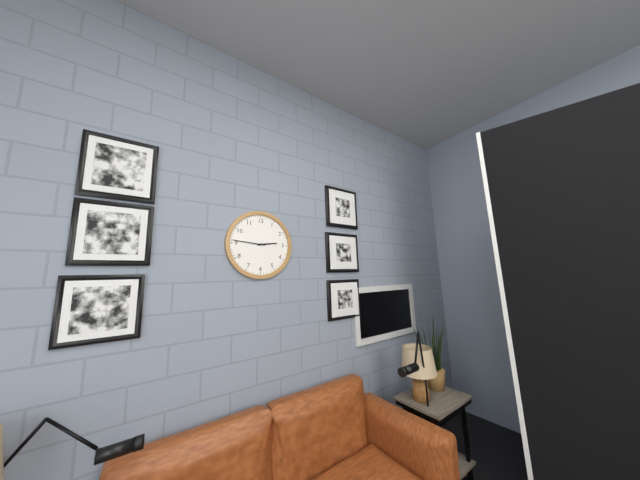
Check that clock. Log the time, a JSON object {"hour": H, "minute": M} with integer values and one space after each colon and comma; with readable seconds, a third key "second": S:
{"hour": 2, "minute": 46}
